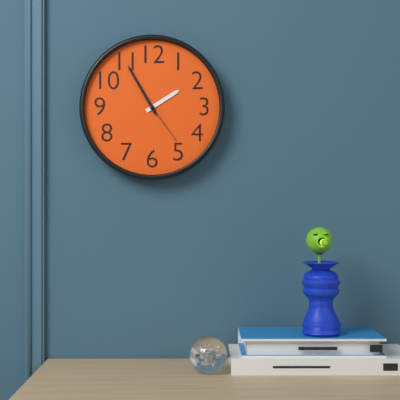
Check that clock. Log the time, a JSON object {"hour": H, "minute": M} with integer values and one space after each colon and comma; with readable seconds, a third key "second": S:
{"hour": 1, "minute": 55, "second": 24}
